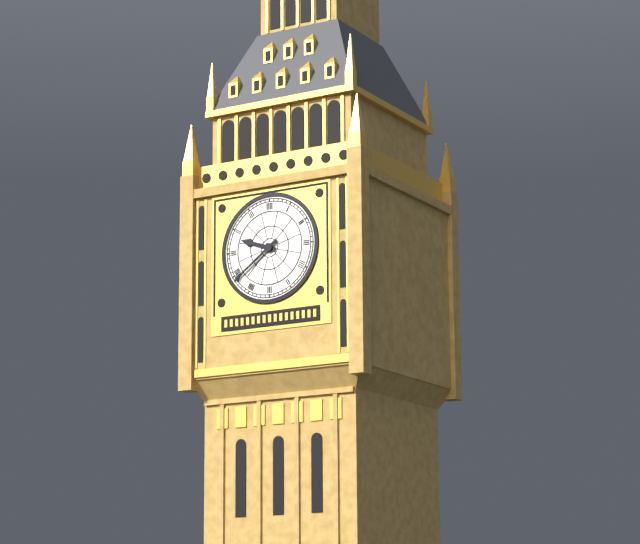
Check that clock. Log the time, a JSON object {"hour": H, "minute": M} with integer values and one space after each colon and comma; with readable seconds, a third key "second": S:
{"hour": 9, "minute": 39}
